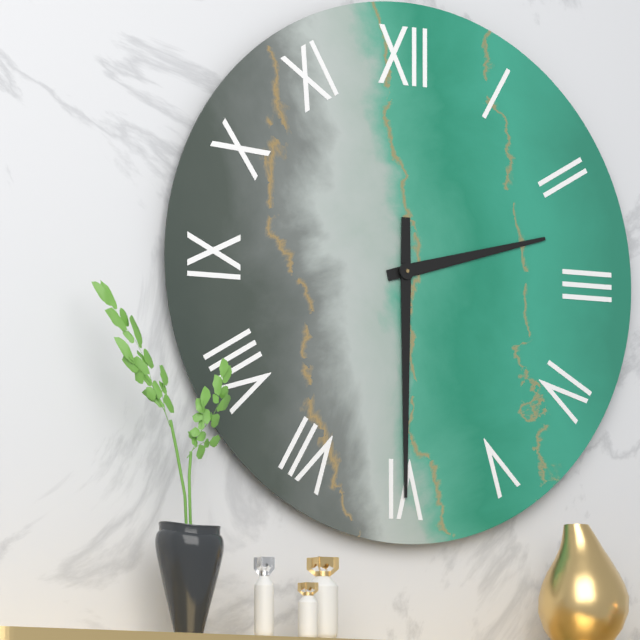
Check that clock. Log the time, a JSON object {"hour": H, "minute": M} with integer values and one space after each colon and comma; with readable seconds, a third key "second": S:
{"hour": 2, "minute": 30}
